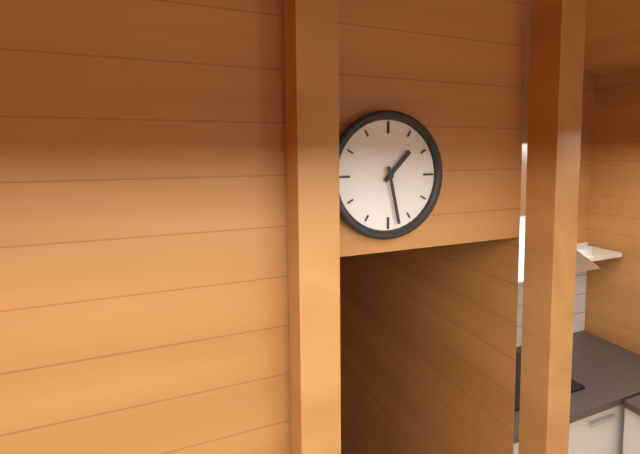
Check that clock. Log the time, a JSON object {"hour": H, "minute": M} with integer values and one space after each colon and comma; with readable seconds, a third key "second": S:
{"hour": 1, "minute": 28}
